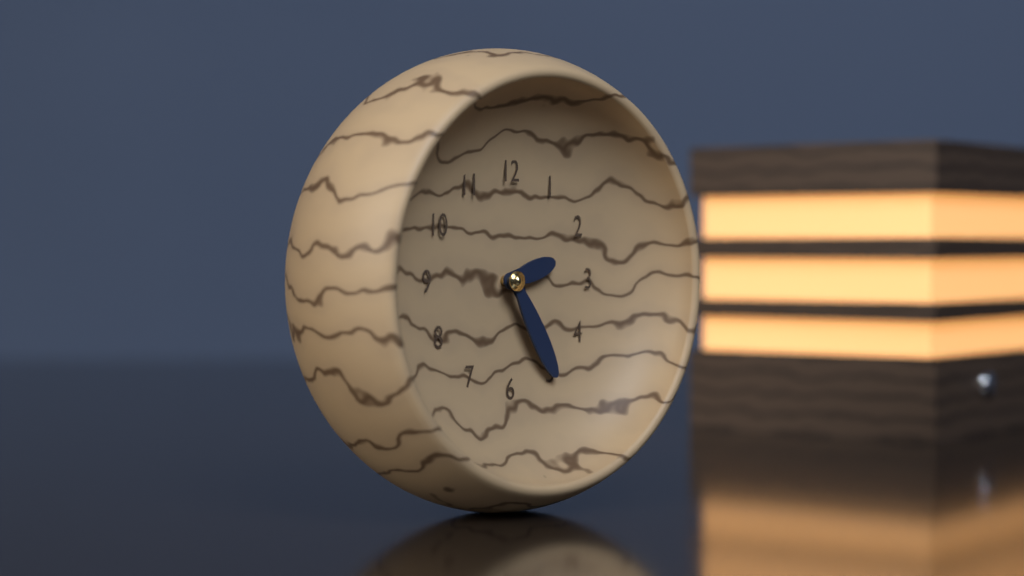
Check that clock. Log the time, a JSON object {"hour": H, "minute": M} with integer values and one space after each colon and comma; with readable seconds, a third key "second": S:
{"hour": 2, "minute": 25}
